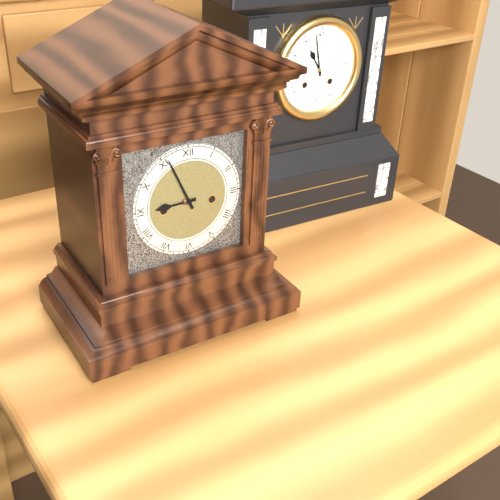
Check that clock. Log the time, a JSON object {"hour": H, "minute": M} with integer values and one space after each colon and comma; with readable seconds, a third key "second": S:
{"hour": 8, "minute": 56}
